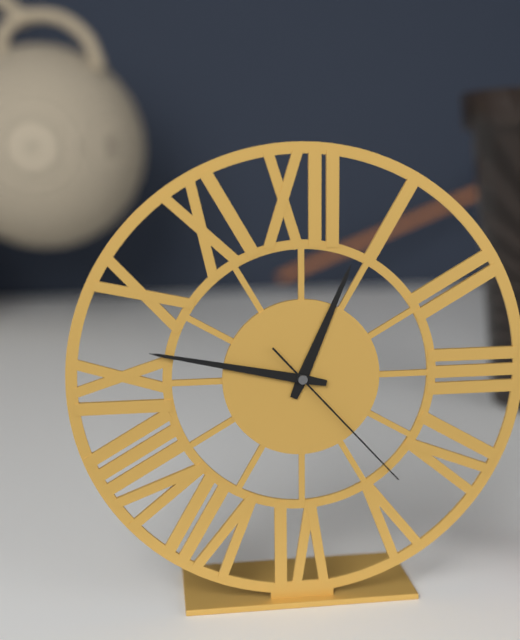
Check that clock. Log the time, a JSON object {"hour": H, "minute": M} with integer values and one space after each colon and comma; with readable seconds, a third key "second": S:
{"hour": 12, "minute": 47, "second": 23}
